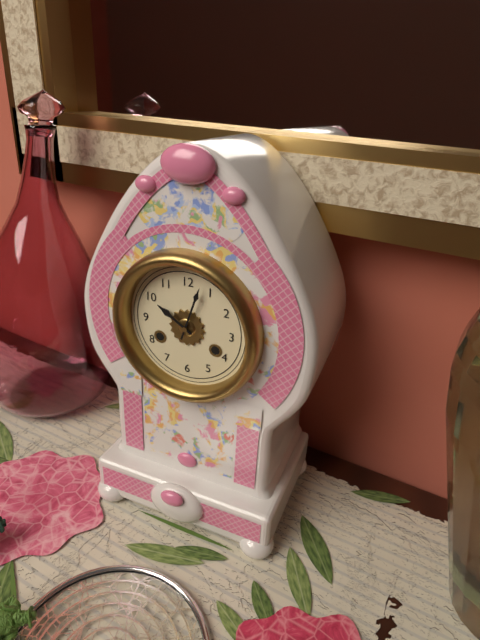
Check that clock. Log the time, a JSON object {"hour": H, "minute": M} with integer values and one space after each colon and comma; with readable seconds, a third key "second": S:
{"hour": 10, "minute": 3}
